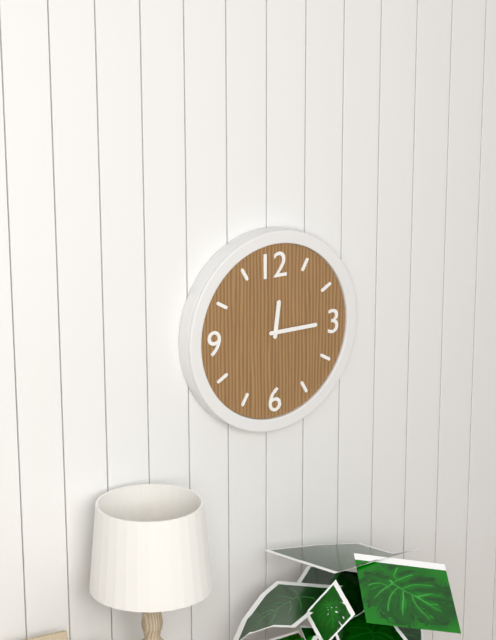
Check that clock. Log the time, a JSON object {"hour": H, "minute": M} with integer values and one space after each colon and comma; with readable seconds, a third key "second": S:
{"hour": 12, "minute": 15}
